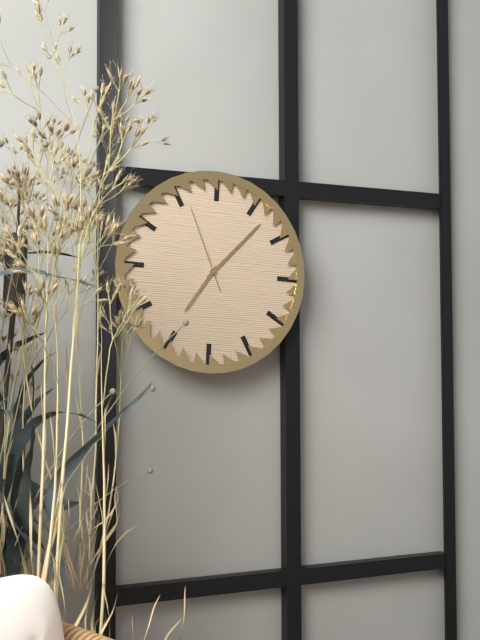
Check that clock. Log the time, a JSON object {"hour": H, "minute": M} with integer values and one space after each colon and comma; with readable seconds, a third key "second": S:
{"hour": 7, "minute": 7, "second": 56}
